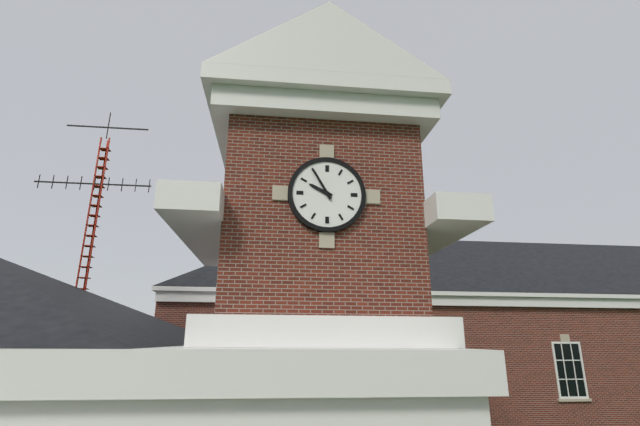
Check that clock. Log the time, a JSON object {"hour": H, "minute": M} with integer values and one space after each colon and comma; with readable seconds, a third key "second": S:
{"hour": 9, "minute": 55}
